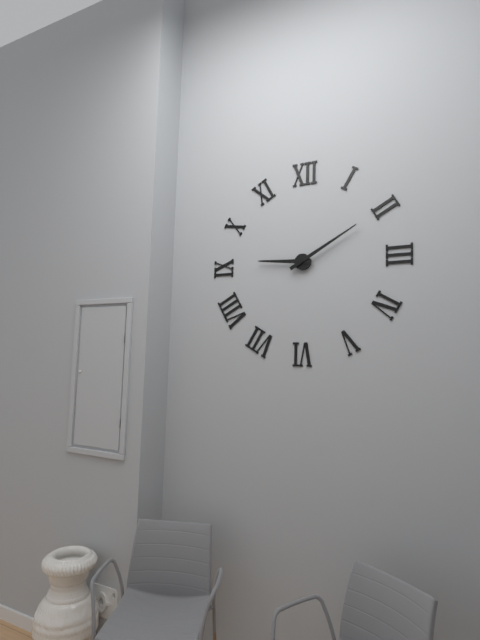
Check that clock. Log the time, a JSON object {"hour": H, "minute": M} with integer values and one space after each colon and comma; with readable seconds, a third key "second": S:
{"hour": 9, "minute": 10}
